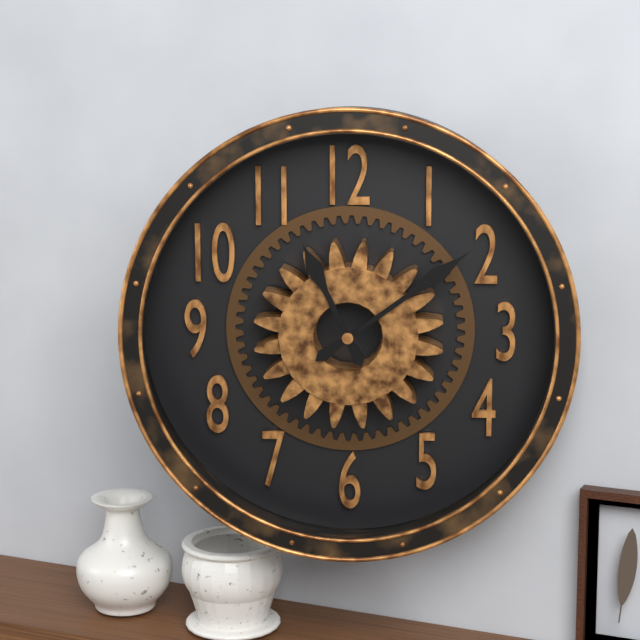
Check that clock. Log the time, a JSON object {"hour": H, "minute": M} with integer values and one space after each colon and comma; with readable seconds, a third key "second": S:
{"hour": 11, "minute": 9}
